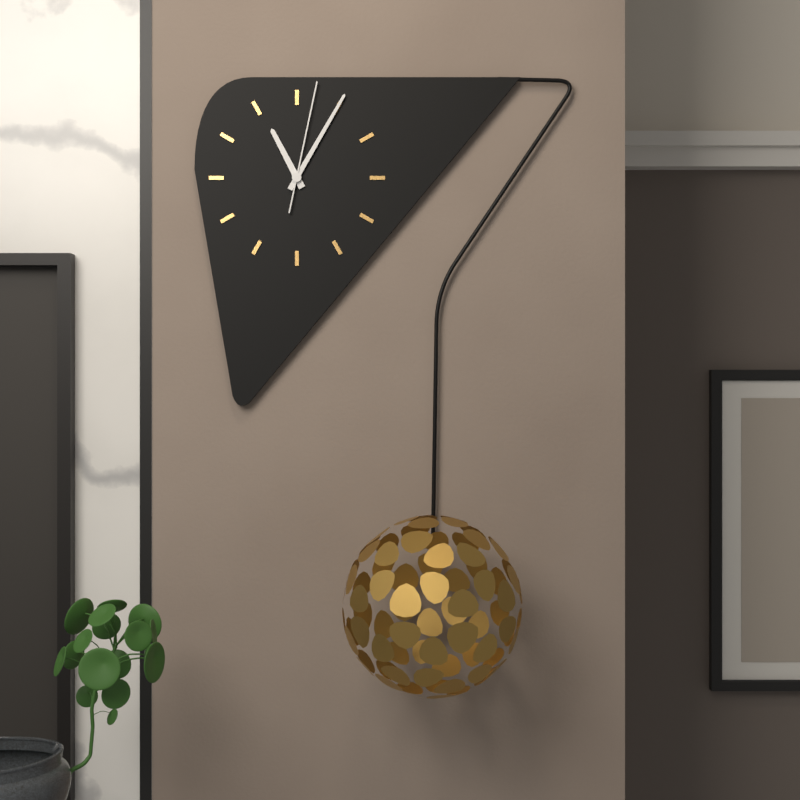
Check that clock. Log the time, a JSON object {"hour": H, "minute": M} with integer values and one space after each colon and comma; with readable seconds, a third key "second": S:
{"hour": 11, "minute": 5, "second": 2}
